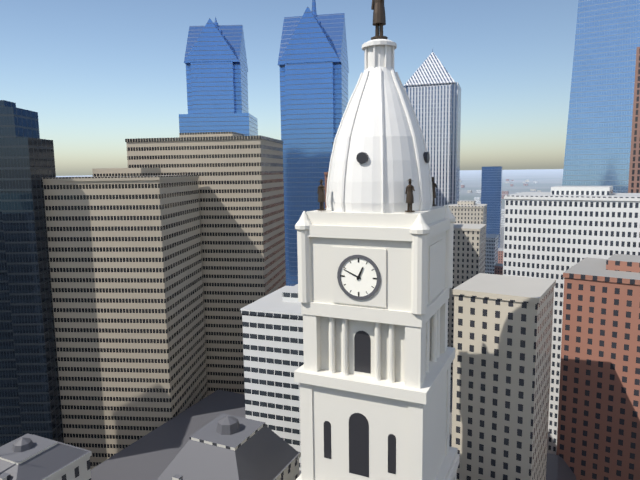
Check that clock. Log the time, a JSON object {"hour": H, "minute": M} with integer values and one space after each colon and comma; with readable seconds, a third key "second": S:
{"hour": 12, "minute": 49}
